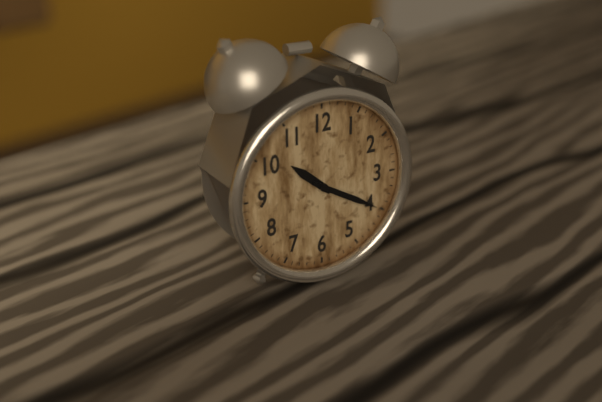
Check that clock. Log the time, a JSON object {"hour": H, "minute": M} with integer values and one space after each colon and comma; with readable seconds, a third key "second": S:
{"hour": 10, "minute": 20}
